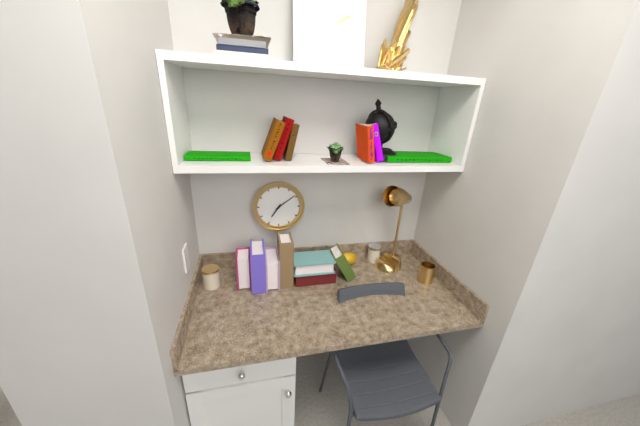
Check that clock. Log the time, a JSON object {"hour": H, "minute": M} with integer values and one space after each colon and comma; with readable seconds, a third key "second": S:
{"hour": 7, "minute": 9}
